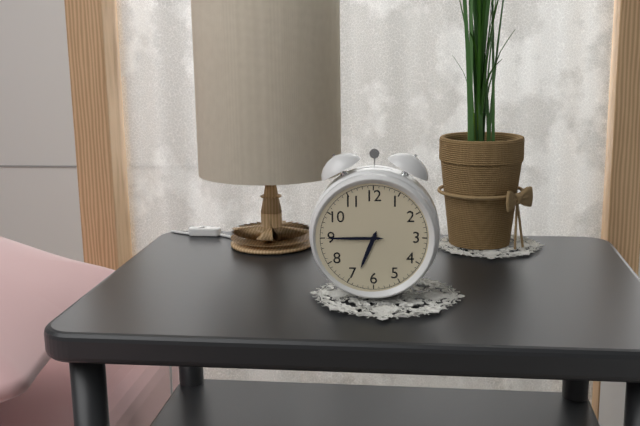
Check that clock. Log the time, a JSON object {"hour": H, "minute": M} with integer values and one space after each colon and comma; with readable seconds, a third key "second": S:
{"hour": 6, "minute": 45}
